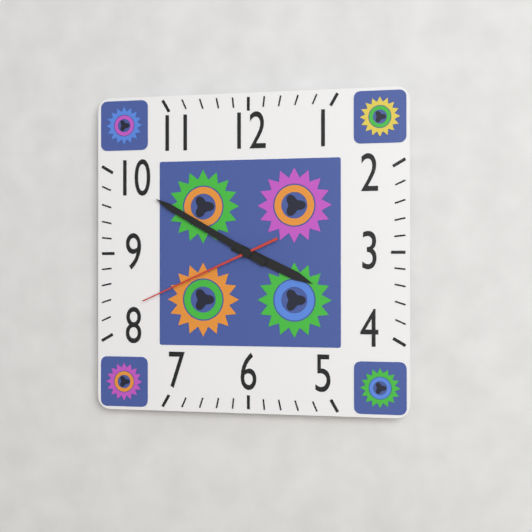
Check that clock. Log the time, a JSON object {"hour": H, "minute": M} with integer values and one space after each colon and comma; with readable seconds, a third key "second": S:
{"hour": 3, "minute": 50, "second": 41}
